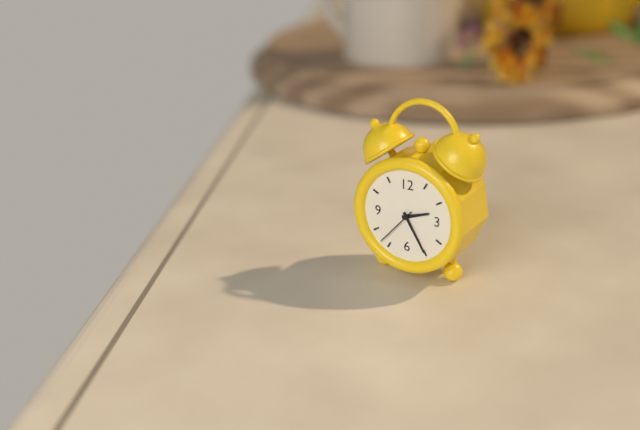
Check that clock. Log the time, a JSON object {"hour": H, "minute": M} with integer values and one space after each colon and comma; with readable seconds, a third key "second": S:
{"hour": 2, "minute": 25}
